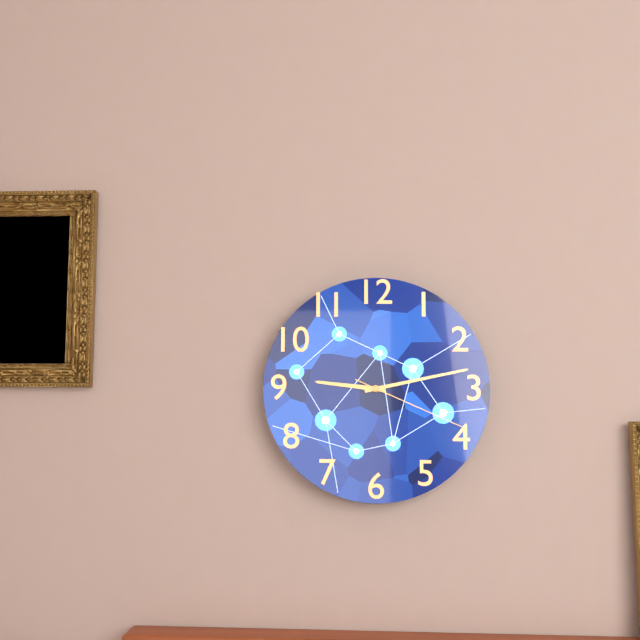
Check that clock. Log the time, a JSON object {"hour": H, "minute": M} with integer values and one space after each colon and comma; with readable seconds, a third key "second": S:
{"hour": 9, "minute": 13, "second": 19}
